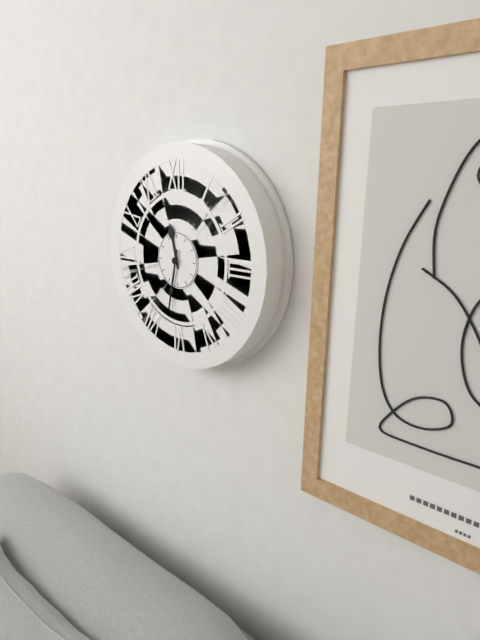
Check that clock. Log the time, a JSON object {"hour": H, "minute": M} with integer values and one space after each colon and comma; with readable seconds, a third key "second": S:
{"hour": 11, "minute": 32}
